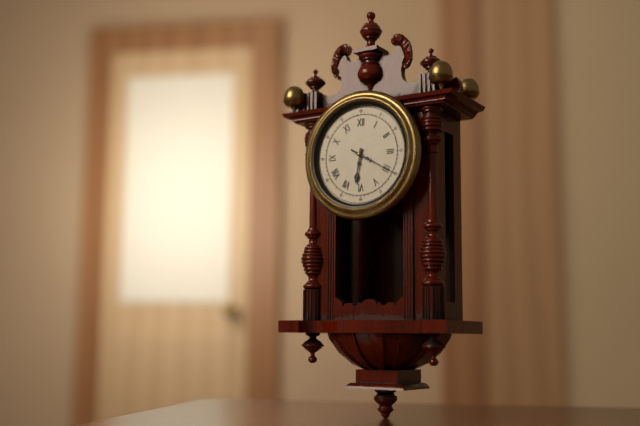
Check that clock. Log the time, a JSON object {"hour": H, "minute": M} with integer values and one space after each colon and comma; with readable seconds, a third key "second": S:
{"hour": 6, "minute": 20}
